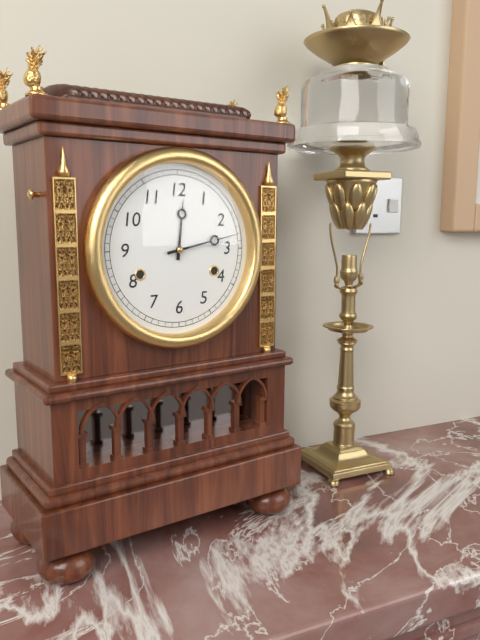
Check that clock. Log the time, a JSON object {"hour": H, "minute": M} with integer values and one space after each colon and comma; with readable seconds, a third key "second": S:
{"hour": 12, "minute": 13}
